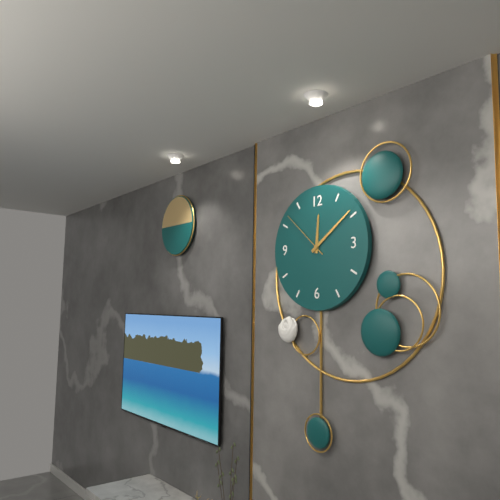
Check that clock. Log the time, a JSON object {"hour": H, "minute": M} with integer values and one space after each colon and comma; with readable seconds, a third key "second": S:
{"hour": 12, "minute": 9, "second": 52}
